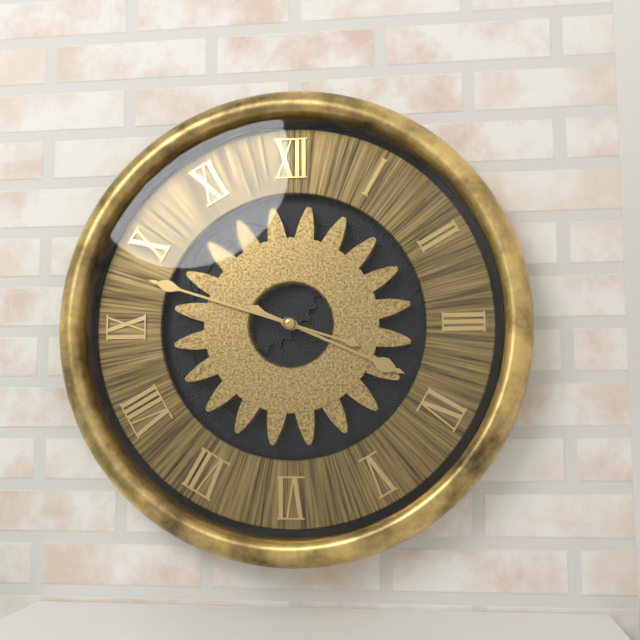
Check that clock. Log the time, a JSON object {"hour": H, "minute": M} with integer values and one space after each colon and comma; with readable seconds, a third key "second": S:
{"hour": 3, "minute": 48}
